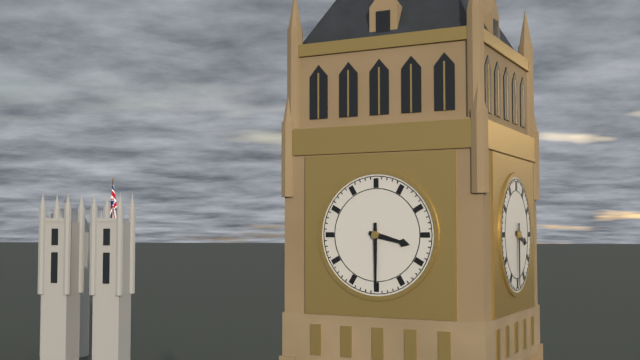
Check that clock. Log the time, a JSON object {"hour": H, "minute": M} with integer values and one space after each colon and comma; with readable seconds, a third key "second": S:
{"hour": 3, "minute": 30}
